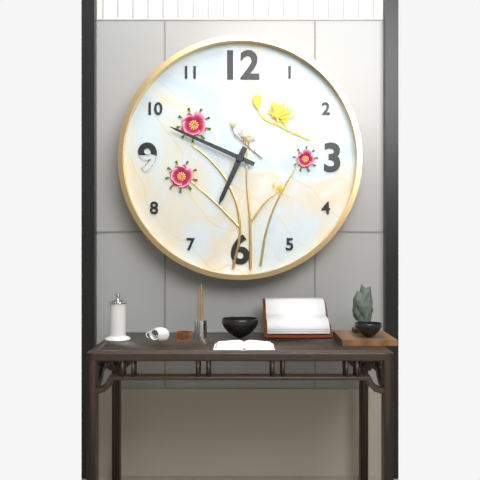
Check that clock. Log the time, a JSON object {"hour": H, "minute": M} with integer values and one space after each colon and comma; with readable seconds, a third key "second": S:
{"hour": 6, "minute": 49}
